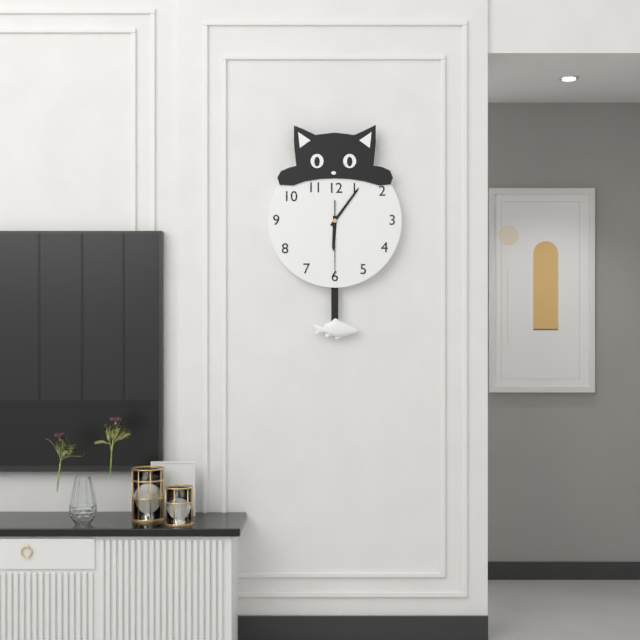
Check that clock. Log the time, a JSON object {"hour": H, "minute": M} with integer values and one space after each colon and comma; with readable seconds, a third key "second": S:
{"hour": 6, "minute": 6, "second": 30}
